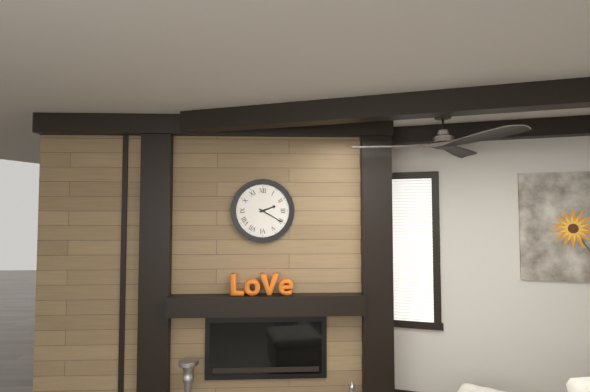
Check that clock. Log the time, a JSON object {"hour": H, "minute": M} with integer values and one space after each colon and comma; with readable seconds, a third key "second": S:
{"hour": 2, "minute": 20}
